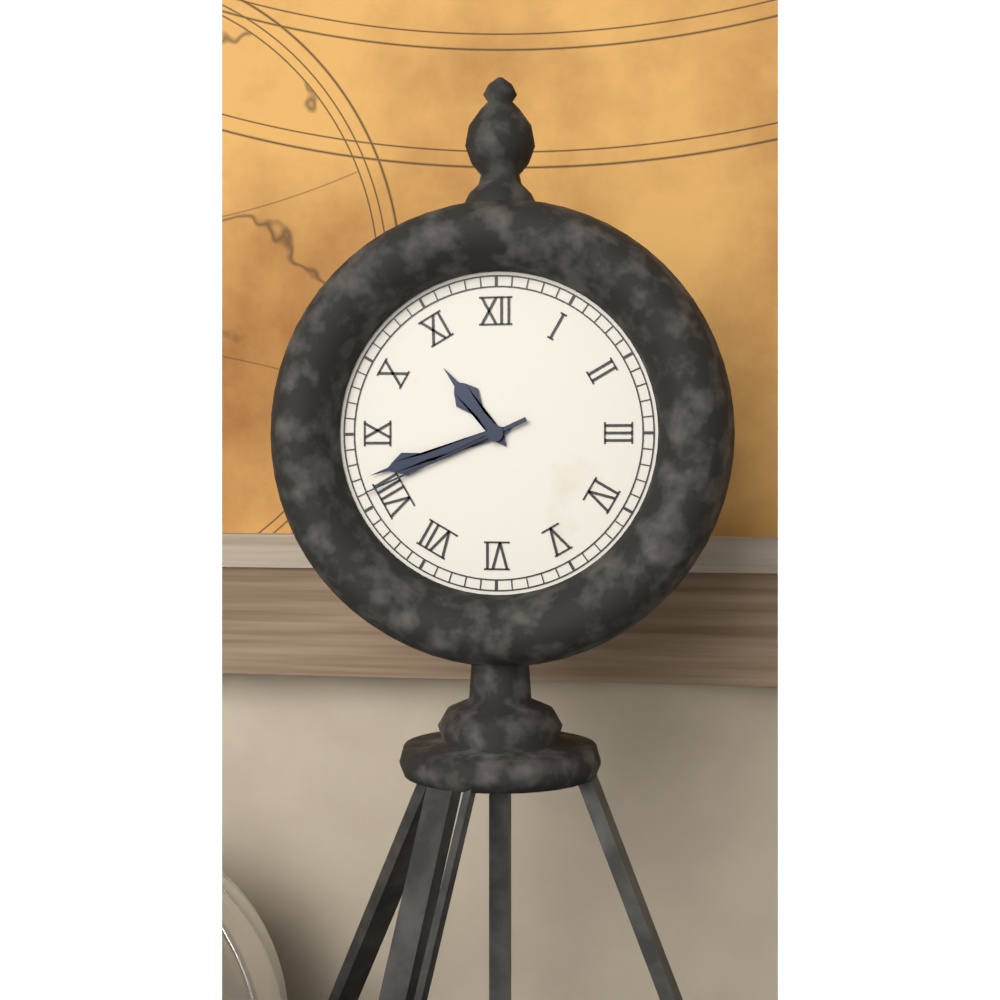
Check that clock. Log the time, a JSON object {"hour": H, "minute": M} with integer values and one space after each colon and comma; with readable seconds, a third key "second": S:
{"hour": 10, "minute": 42, "second": 41}
